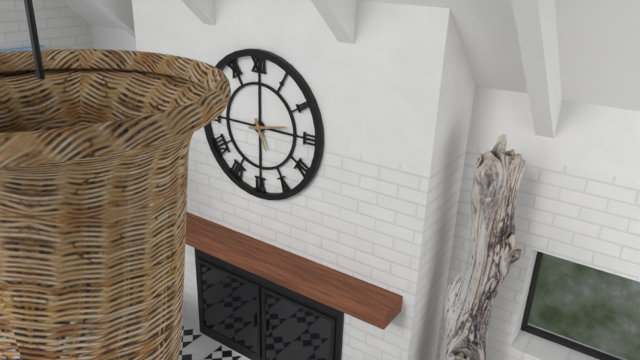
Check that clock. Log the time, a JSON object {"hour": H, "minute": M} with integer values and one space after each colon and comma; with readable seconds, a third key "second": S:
{"hour": 5, "minute": 13}
